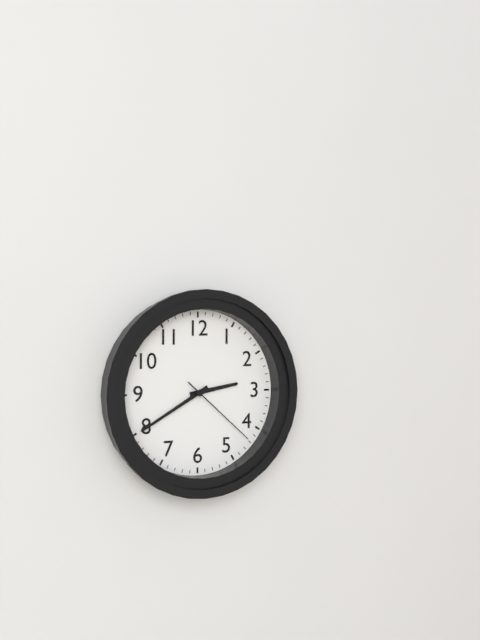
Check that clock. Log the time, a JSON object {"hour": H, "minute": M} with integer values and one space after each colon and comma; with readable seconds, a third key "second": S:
{"hour": 2, "minute": 40, "second": 22}
